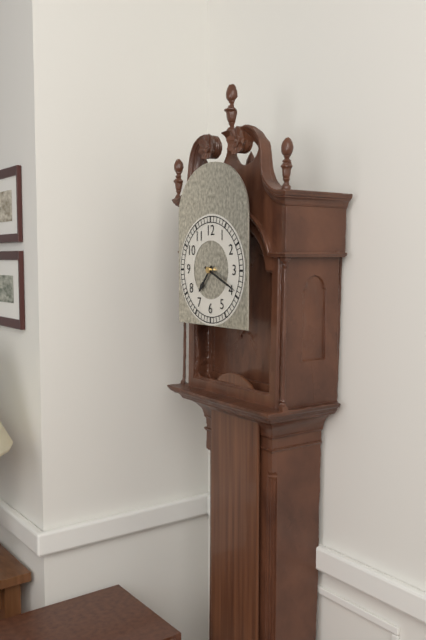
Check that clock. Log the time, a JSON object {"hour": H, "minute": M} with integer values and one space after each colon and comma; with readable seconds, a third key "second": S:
{"hour": 7, "minute": 19}
